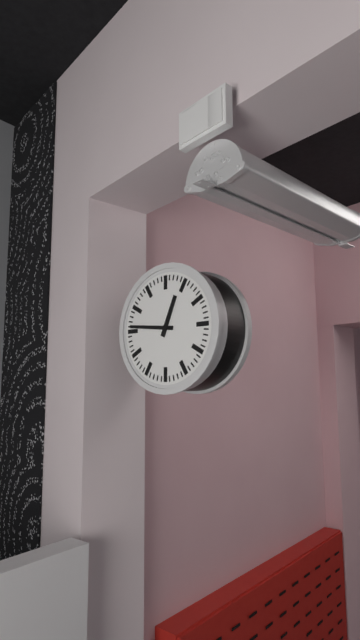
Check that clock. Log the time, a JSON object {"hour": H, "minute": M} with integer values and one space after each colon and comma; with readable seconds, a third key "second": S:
{"hour": 12, "minute": 46}
